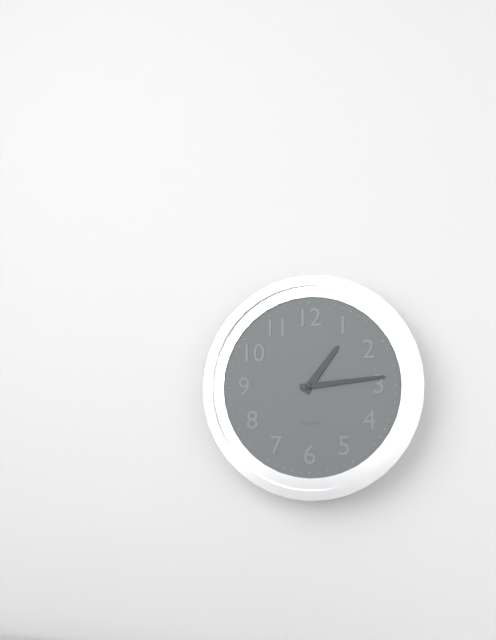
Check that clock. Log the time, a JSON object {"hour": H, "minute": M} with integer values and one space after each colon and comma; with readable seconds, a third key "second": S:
{"hour": 1, "minute": 14}
